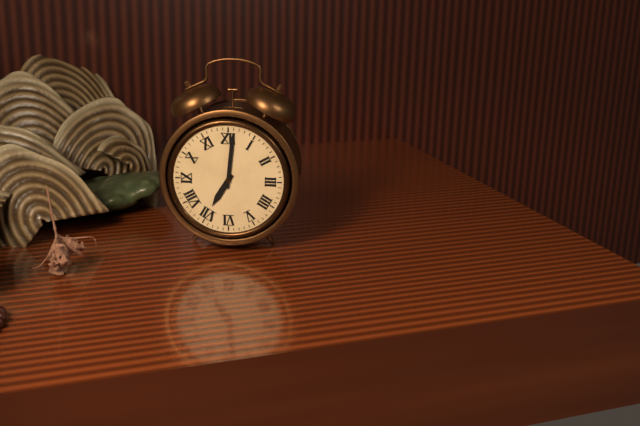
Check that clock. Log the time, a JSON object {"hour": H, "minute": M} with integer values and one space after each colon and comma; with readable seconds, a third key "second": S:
{"hour": 7, "minute": 1}
